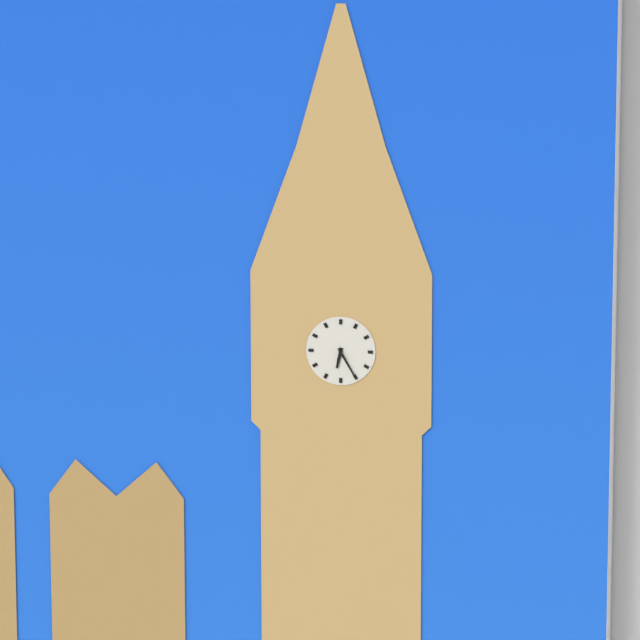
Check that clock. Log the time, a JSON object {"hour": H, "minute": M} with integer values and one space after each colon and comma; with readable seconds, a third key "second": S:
{"hour": 6, "minute": 25}
